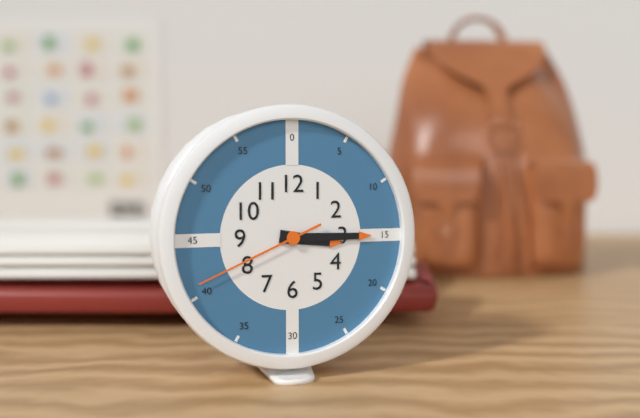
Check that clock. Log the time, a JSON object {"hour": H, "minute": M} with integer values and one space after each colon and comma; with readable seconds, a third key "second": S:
{"hour": 3, "minute": 15, "second": 41}
